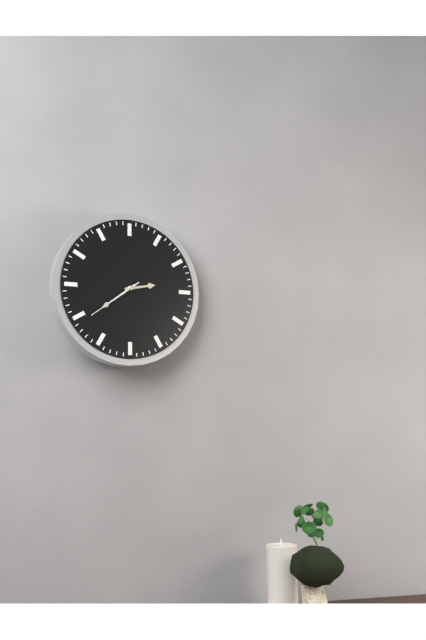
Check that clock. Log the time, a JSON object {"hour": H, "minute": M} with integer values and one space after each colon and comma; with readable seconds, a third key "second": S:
{"hour": 2, "minute": 39, "second": 39}
